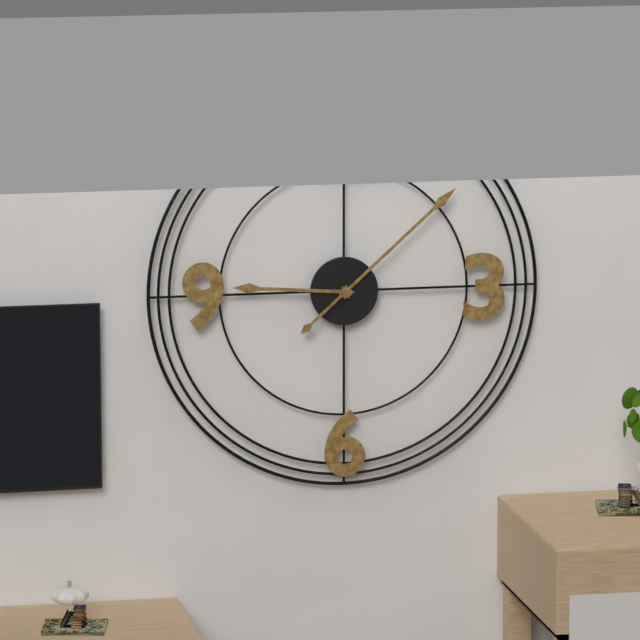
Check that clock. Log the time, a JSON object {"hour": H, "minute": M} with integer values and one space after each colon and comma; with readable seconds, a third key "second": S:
{"hour": 9, "minute": 8}
